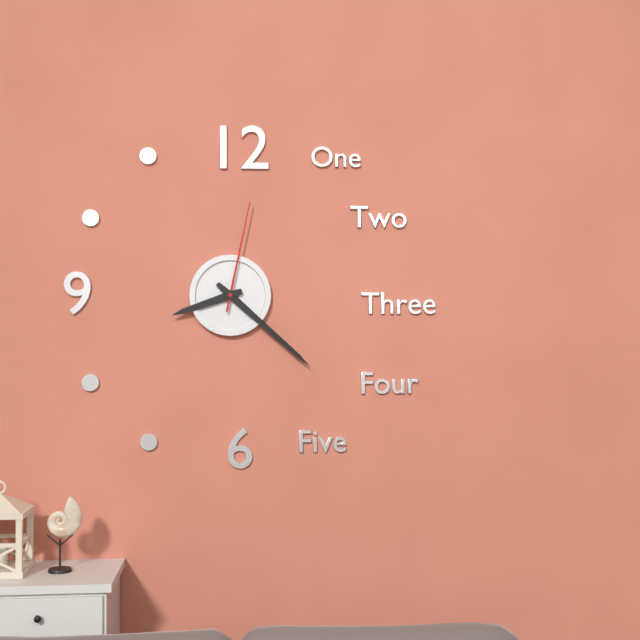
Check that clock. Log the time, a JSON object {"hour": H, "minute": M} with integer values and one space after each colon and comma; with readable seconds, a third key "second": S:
{"hour": 8, "minute": 22, "second": 2}
